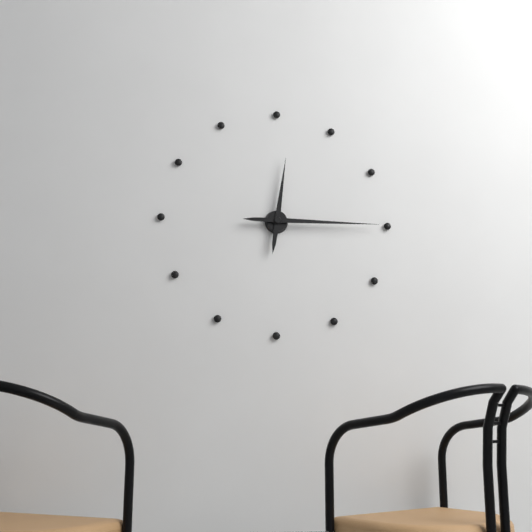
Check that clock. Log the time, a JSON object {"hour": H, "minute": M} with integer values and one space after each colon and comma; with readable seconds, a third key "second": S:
{"hour": 12, "minute": 15}
